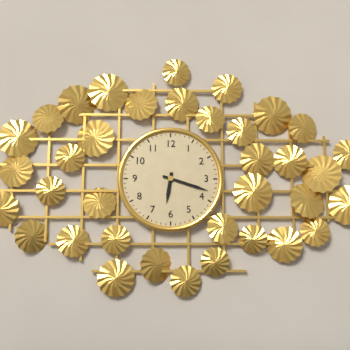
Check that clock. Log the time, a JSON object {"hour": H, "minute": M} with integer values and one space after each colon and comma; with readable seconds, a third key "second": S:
{"hour": 6, "minute": 18}
